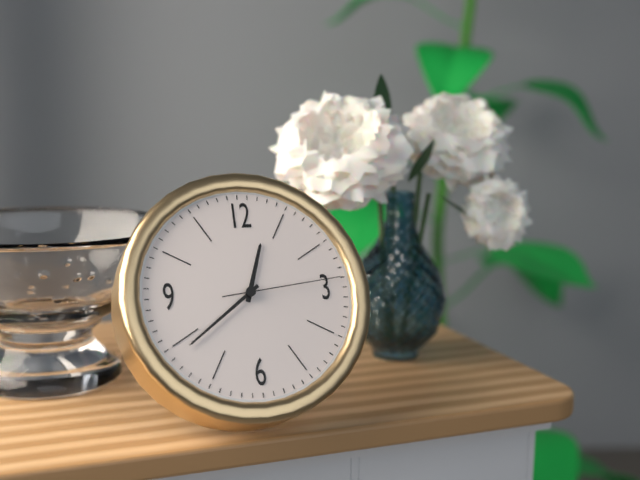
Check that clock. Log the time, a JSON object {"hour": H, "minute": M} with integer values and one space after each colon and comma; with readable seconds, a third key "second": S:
{"hour": 12, "minute": 39, "second": 14}
